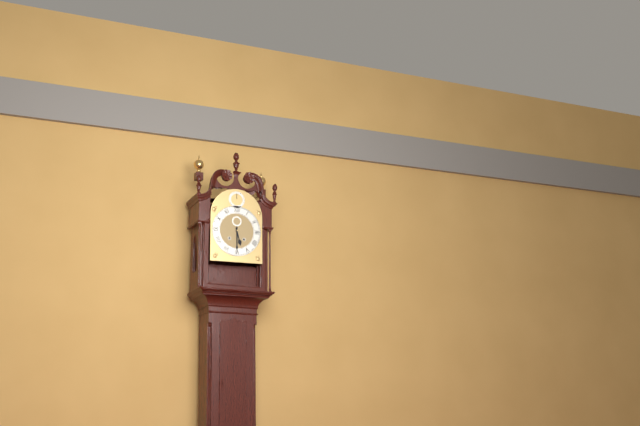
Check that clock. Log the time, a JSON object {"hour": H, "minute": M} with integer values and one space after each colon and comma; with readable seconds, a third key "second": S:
{"hour": 5, "minute": 30}
